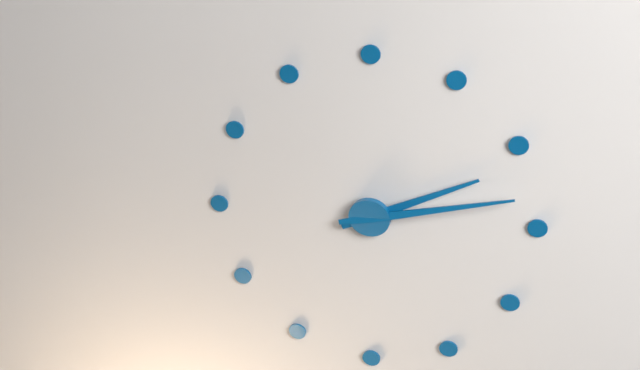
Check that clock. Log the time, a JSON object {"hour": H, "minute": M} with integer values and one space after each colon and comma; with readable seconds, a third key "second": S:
{"hour": 2, "minute": 13}
